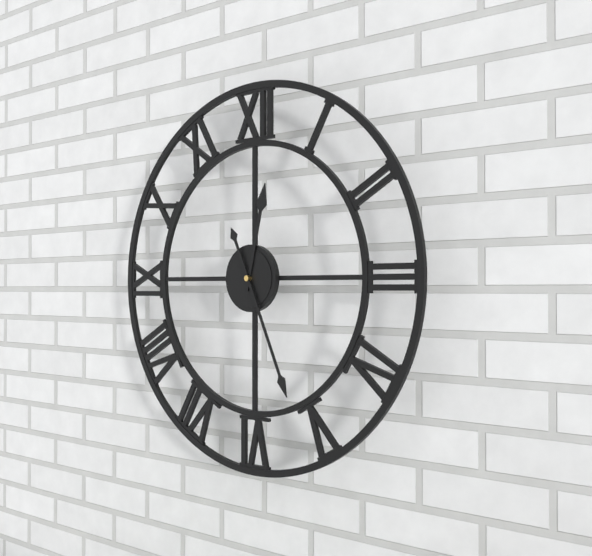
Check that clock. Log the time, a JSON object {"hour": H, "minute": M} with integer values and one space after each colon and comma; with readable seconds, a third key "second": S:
{"hour": 12, "minute": 26}
